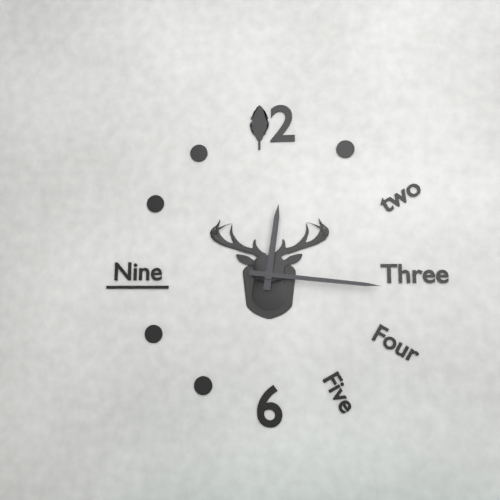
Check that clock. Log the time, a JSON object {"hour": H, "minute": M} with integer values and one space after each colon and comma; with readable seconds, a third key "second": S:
{"hour": 12, "minute": 16}
